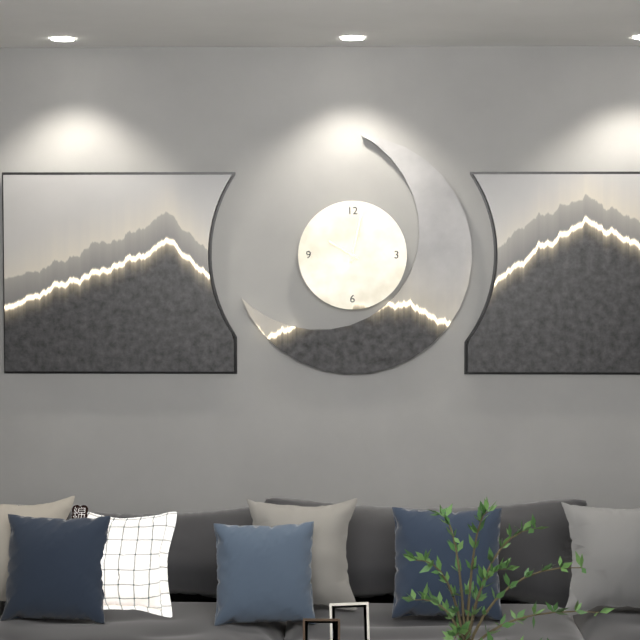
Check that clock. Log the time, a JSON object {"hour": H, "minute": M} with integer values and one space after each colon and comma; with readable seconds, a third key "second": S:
{"hour": 10, "minute": 2}
